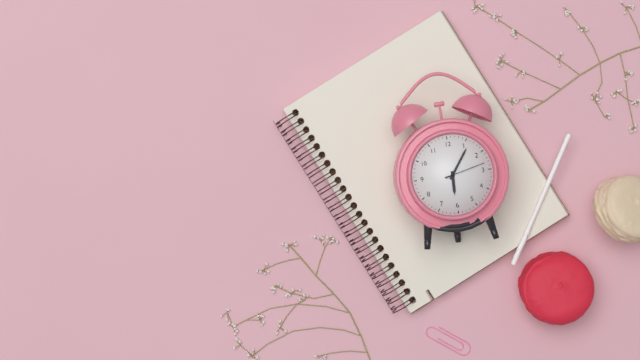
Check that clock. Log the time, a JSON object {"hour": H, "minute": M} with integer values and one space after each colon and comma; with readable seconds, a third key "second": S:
{"hour": 6, "minute": 6}
